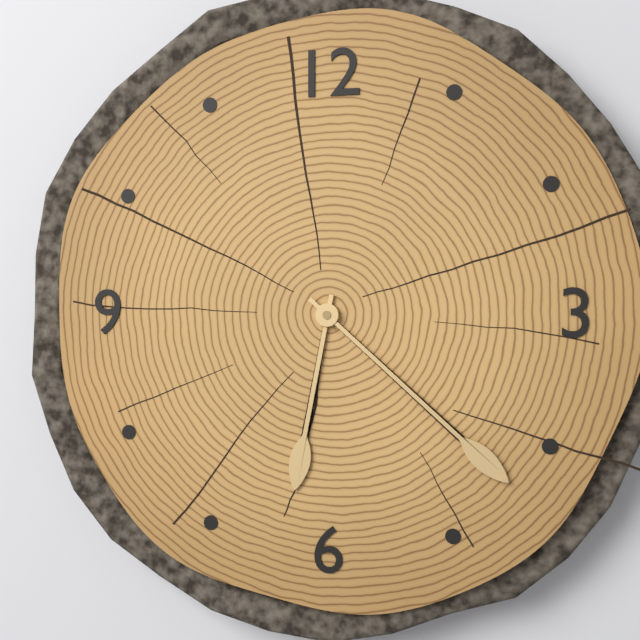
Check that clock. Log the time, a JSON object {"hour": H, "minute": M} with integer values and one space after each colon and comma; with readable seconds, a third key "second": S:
{"hour": 6, "minute": 22}
